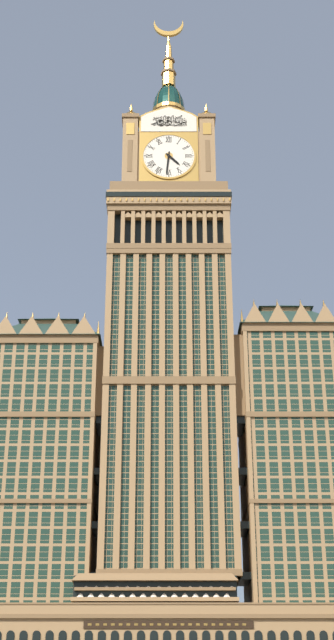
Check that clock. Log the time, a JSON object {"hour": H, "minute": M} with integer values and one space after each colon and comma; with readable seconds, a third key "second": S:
{"hour": 4, "minute": 31}
